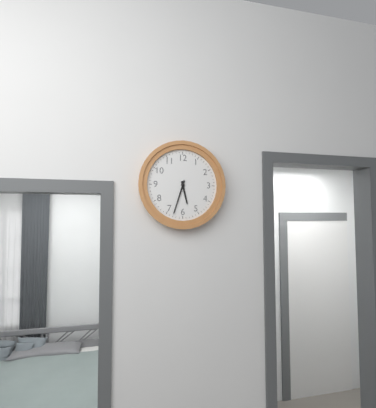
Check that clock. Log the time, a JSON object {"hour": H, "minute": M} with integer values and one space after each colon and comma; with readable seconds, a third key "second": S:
{"hour": 5, "minute": 33}
